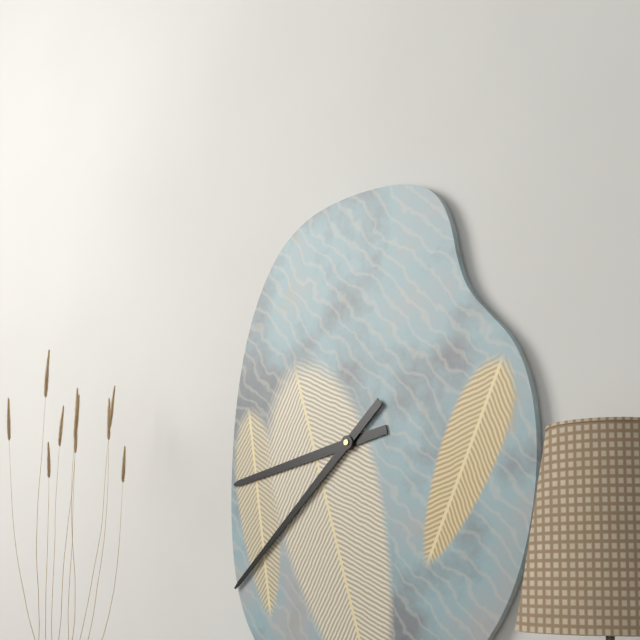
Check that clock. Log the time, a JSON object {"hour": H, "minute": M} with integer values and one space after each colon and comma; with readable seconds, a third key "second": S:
{"hour": 8, "minute": 38}
